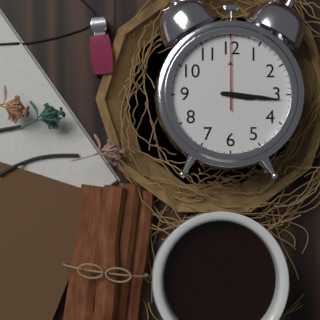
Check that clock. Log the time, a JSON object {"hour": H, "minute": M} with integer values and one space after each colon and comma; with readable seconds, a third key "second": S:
{"hour": 3, "minute": 16, "second": 0}
